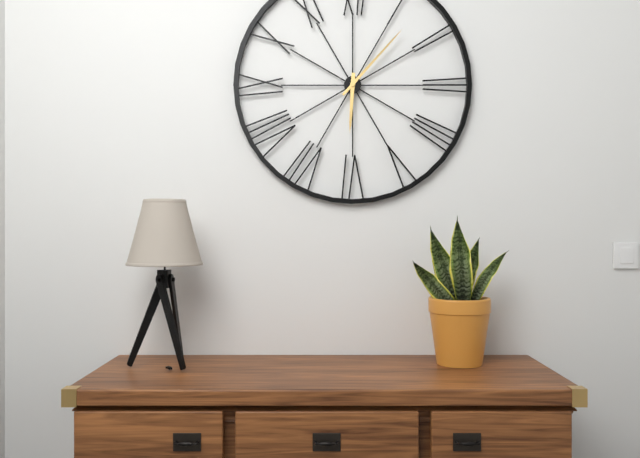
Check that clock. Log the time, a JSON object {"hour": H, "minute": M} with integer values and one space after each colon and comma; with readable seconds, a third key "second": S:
{"hour": 6, "minute": 7}
